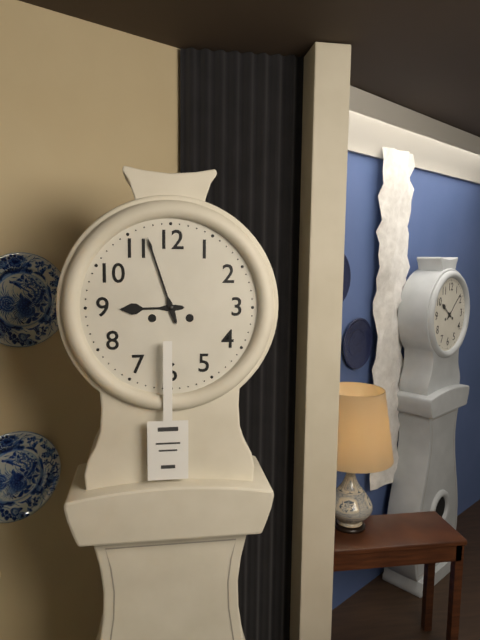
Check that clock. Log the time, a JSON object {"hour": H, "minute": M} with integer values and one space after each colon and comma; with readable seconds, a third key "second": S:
{"hour": 8, "minute": 57}
